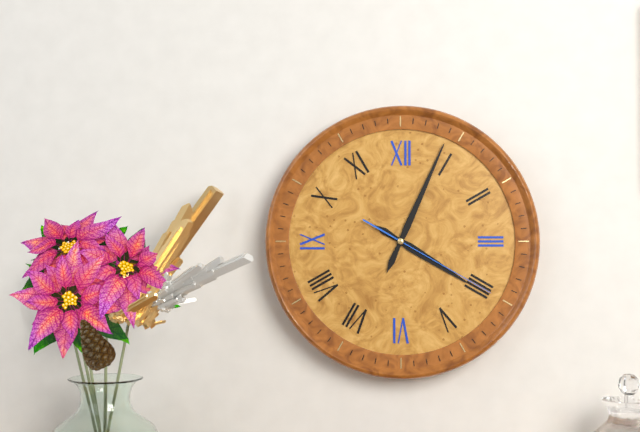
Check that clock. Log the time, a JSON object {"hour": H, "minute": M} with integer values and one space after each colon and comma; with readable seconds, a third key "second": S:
{"hour": 4, "minute": 4, "second": 20}
